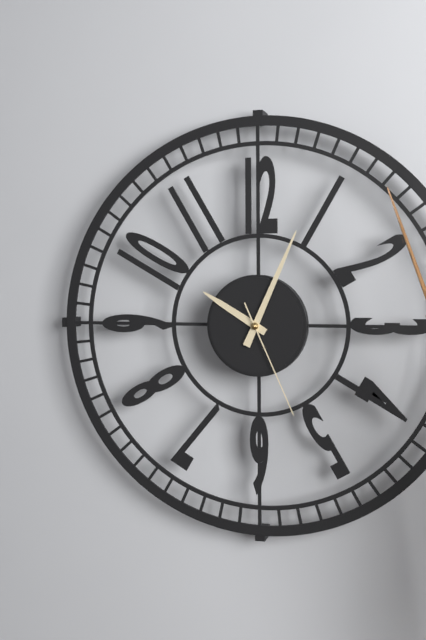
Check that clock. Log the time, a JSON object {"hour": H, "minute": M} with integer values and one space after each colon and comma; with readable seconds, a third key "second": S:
{"hour": 10, "minute": 4, "second": 26}
